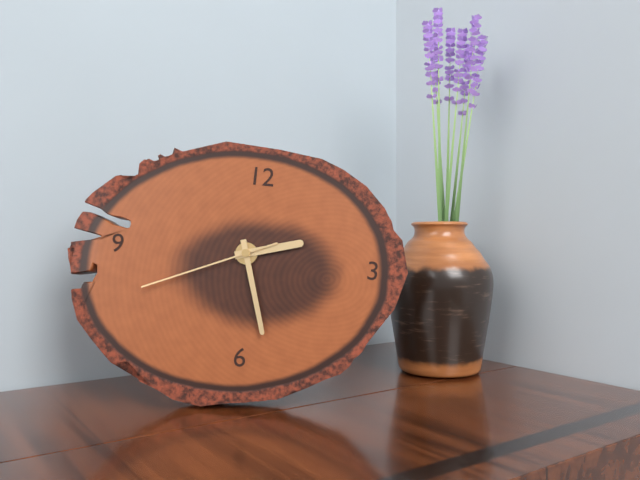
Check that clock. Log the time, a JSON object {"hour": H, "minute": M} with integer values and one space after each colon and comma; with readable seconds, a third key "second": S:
{"hour": 2, "minute": 27, "second": 41}
